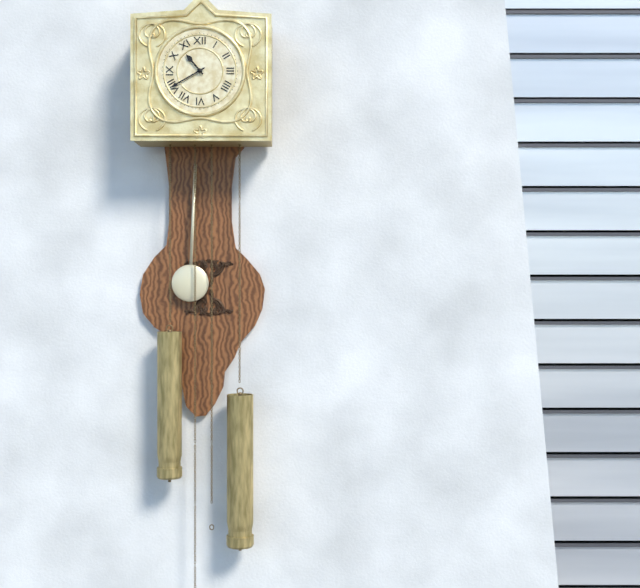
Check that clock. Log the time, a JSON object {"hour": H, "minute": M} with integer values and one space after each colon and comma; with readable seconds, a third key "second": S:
{"hour": 10, "minute": 40}
